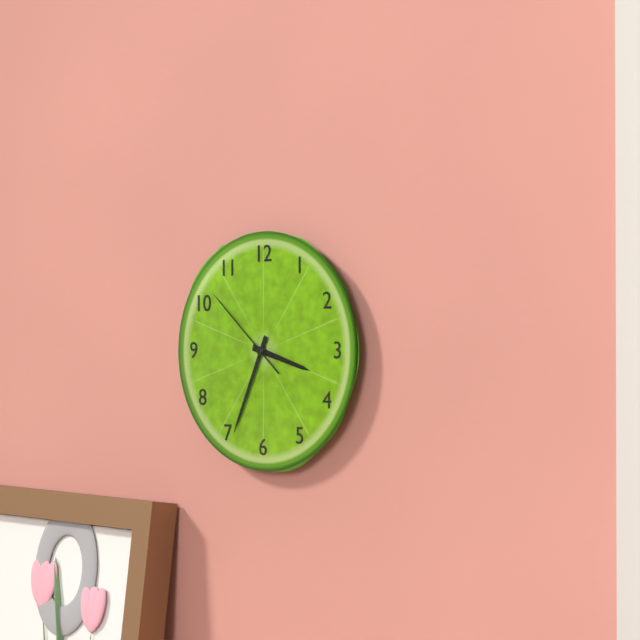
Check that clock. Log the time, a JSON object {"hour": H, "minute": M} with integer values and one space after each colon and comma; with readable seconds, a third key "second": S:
{"hour": 3, "minute": 34, "second": 52}
